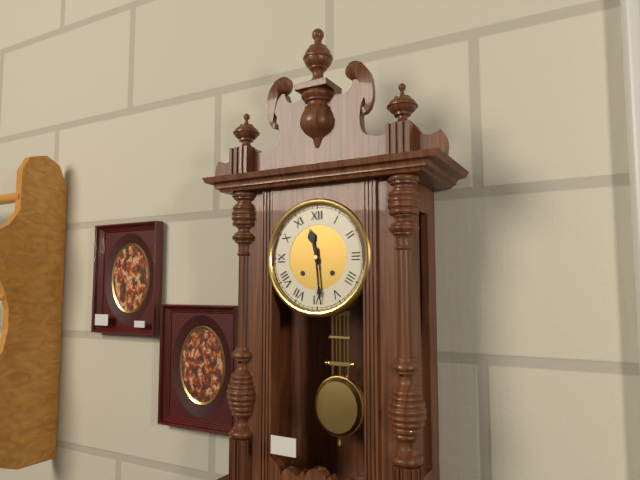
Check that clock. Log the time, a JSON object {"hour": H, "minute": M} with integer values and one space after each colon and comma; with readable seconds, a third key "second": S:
{"hour": 11, "minute": 29}
